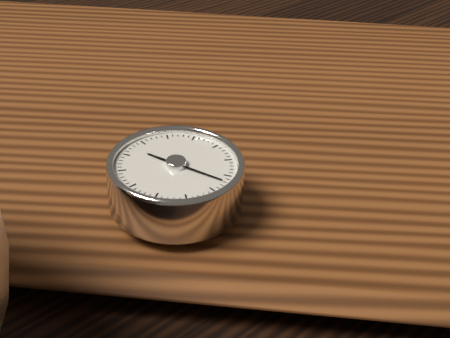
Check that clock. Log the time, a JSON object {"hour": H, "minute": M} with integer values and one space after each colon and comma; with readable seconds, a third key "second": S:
{"hour": 11, "minute": 27}
